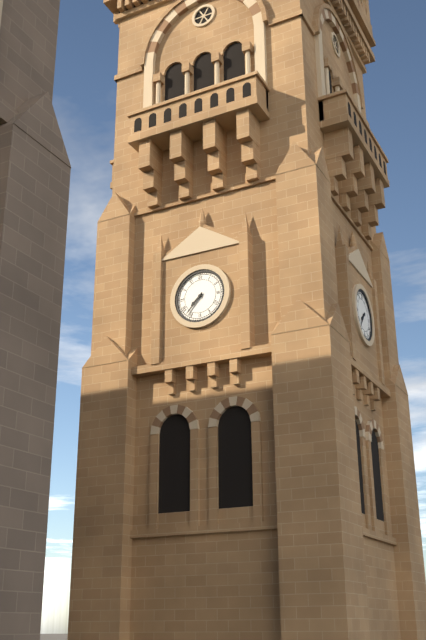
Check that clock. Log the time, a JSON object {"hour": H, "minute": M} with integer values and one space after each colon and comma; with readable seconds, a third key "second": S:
{"hour": 7, "minute": 37}
